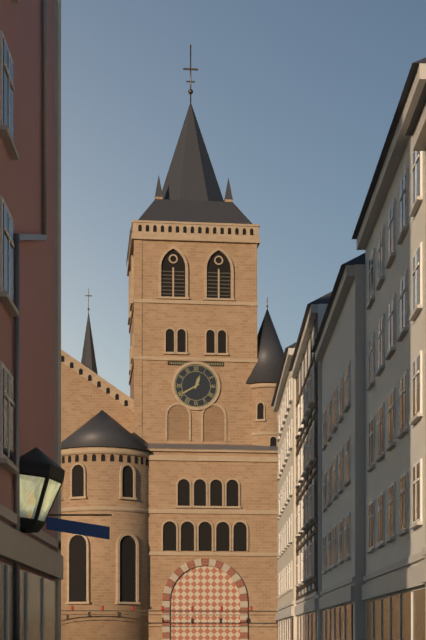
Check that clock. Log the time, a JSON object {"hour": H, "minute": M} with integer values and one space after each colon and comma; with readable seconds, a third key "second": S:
{"hour": 12, "minute": 40}
